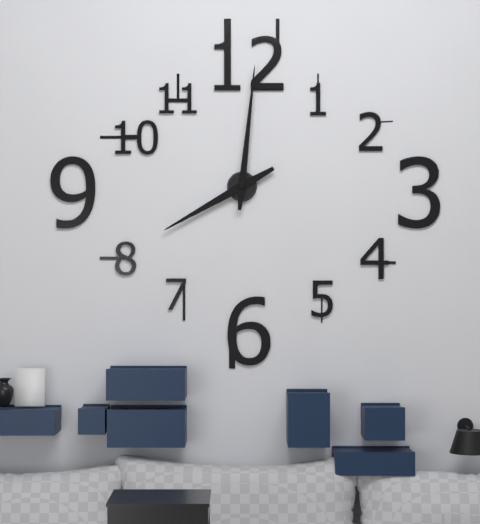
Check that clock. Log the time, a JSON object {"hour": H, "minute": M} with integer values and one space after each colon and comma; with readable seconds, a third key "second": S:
{"hour": 8, "minute": 1}
